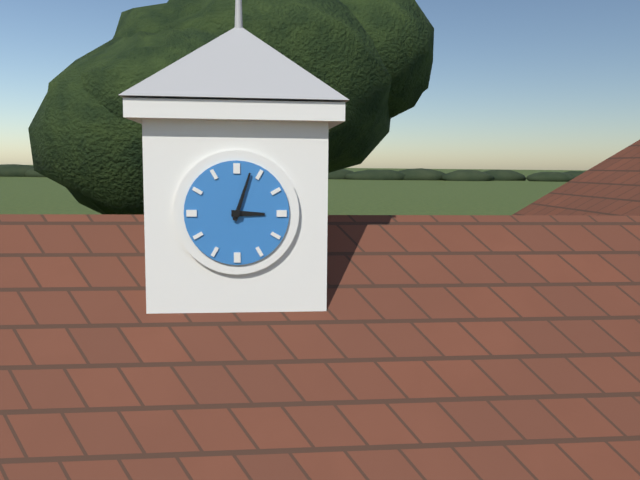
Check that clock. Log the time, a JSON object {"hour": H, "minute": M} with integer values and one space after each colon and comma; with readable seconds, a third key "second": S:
{"hour": 3, "minute": 3}
